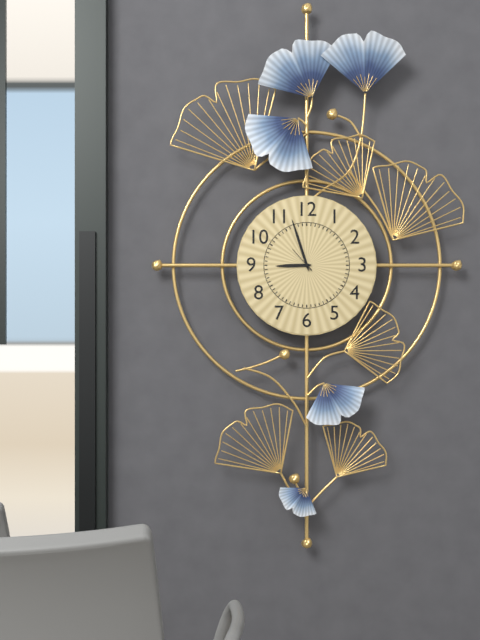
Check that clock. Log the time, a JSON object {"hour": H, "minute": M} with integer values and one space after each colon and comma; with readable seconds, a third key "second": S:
{"hour": 8, "minute": 57}
